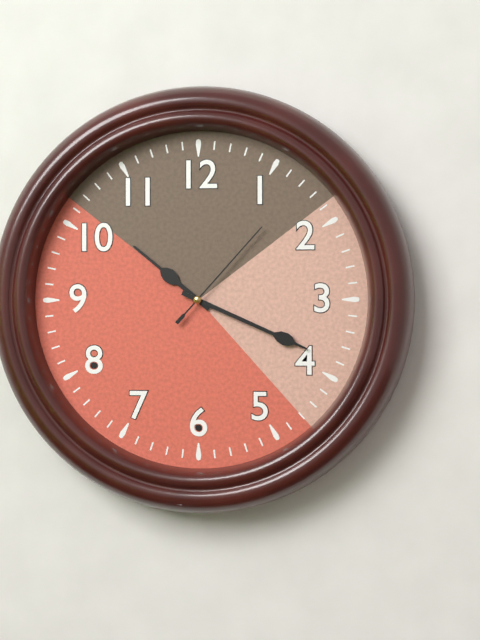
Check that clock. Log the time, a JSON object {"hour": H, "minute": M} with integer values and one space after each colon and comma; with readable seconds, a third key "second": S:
{"hour": 10, "minute": 19, "second": 7}
